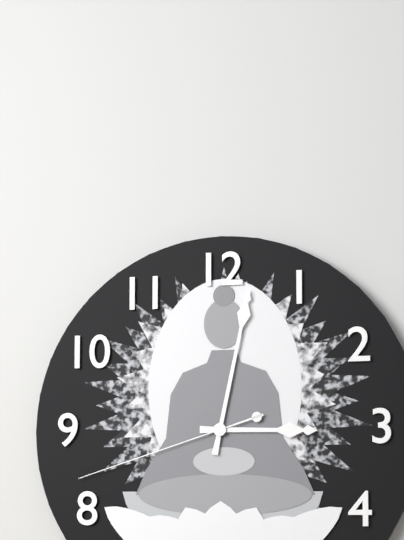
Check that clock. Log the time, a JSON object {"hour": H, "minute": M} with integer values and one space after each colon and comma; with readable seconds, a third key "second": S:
{"hour": 3, "minute": 2, "second": 42}
